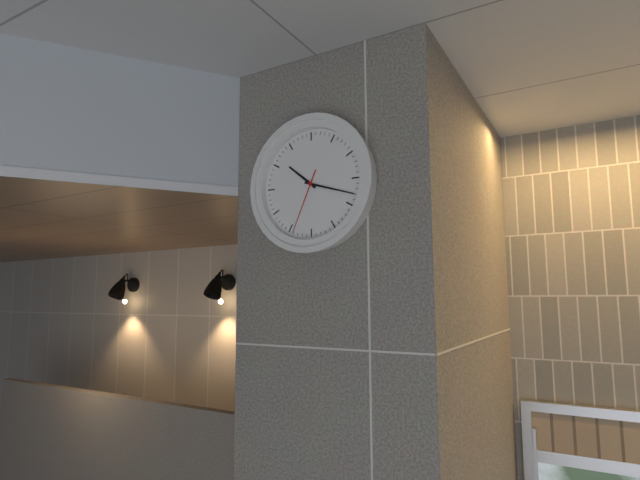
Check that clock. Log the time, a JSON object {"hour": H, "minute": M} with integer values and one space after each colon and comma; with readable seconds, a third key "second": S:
{"hour": 10, "minute": 18, "second": 34}
